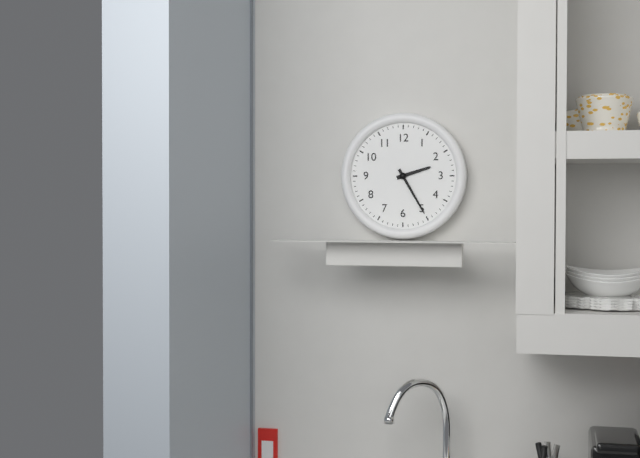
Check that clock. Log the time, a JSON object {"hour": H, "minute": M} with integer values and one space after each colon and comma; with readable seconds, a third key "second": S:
{"hour": 2, "minute": 25}
